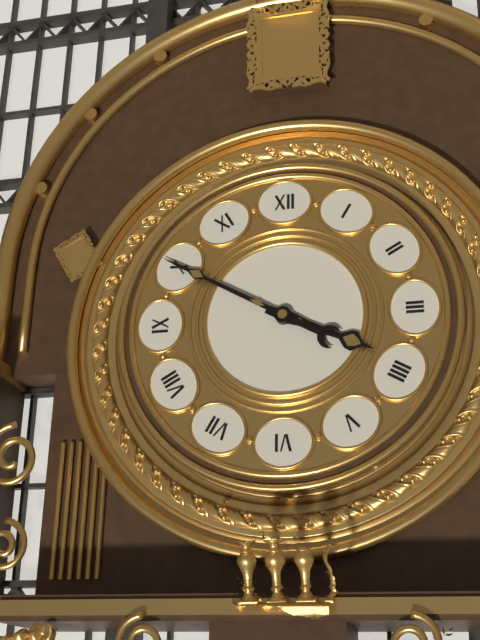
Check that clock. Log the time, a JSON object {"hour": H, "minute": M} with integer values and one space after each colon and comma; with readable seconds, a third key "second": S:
{"hour": 3, "minute": 50}
